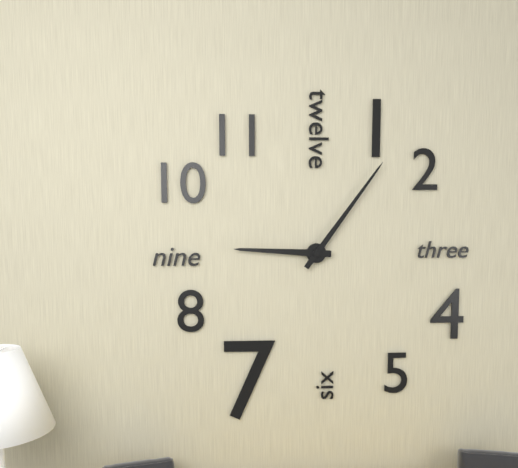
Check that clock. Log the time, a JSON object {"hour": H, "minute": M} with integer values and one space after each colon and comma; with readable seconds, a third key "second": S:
{"hour": 9, "minute": 6}
